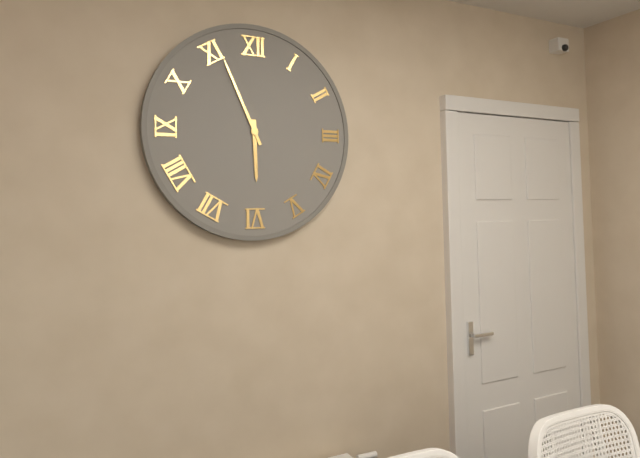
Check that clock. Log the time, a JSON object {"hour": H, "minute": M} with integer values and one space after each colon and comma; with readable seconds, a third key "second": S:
{"hour": 5, "minute": 56}
